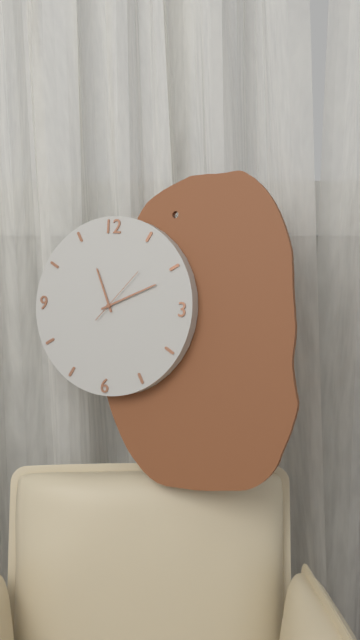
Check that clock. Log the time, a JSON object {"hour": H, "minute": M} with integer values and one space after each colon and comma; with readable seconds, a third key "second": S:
{"hour": 11, "minute": 11, "second": 7}
